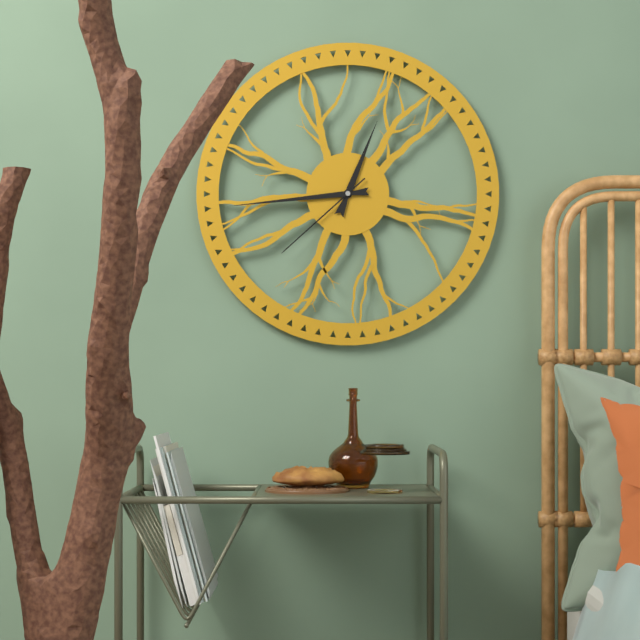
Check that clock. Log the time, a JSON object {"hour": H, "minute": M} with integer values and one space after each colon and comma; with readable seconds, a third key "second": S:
{"hour": 12, "minute": 44, "second": 38}
